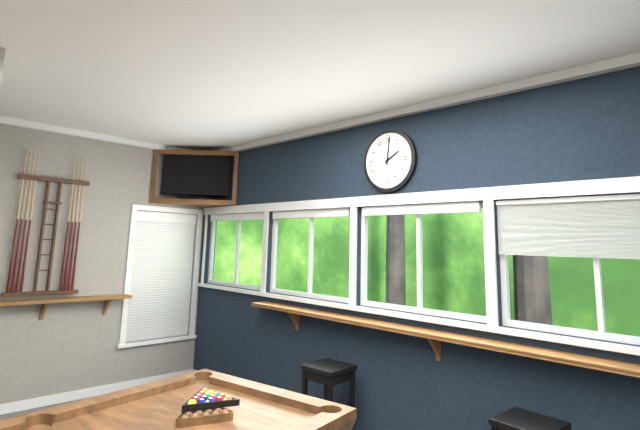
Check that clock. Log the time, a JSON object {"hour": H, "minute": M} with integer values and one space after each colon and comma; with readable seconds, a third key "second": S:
{"hour": 2, "minute": 1}
